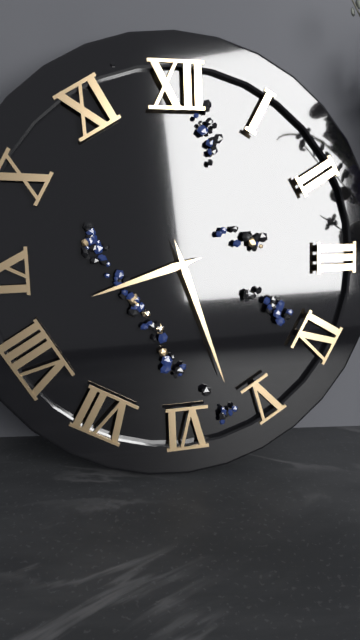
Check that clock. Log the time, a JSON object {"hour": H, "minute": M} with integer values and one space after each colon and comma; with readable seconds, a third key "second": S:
{"hour": 8, "minute": 27}
